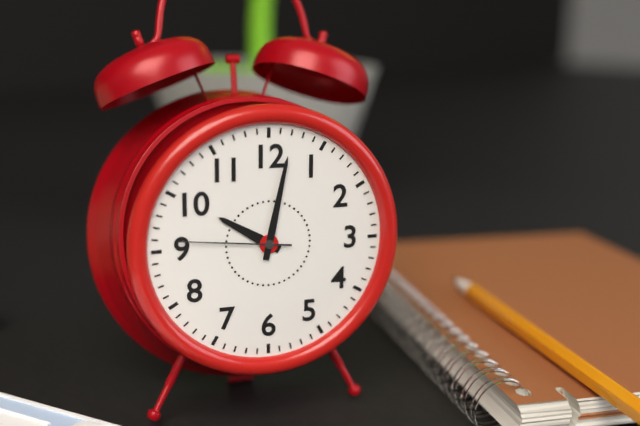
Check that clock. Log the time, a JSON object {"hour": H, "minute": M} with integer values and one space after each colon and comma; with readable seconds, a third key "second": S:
{"hour": 10, "minute": 2, "second": 46}
